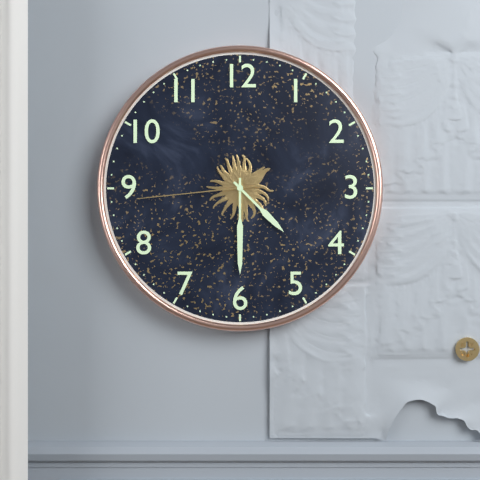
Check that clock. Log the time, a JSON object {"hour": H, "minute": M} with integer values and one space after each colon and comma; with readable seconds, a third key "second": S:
{"hour": 4, "minute": 30, "second": 44}
